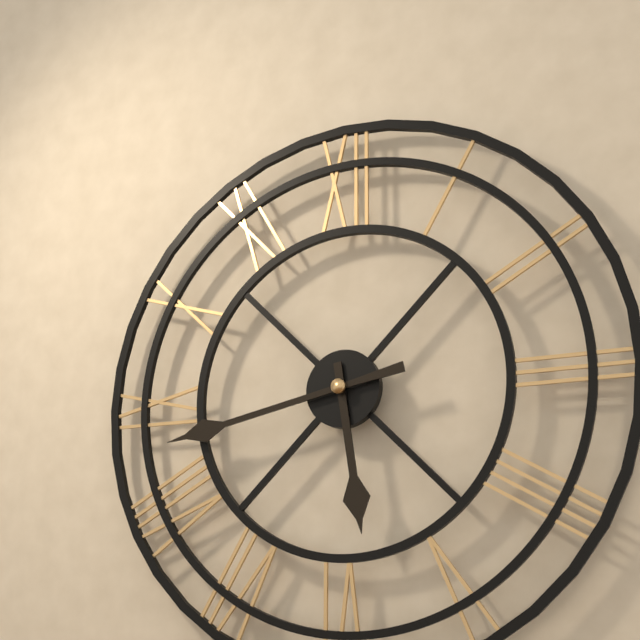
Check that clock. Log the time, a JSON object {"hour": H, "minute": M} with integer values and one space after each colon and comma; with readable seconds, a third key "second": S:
{"hour": 5, "minute": 43}
